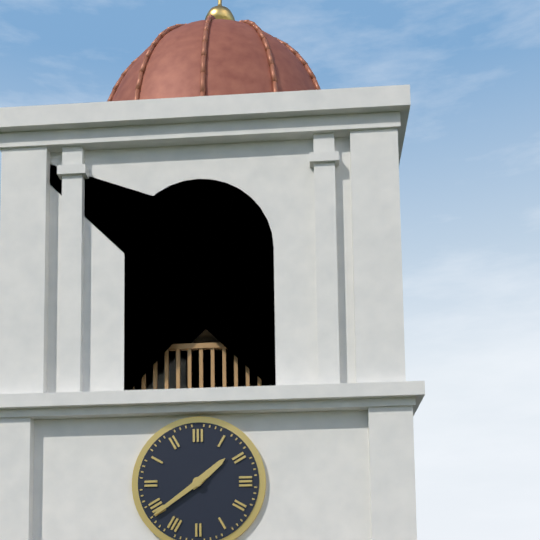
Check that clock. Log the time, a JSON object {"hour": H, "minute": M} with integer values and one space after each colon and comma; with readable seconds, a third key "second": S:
{"hour": 1, "minute": 39}
